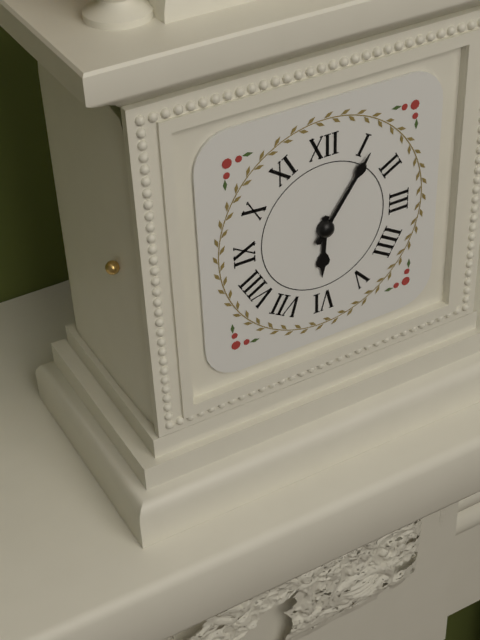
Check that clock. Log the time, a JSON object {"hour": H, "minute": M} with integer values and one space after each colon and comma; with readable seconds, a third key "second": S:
{"hour": 6, "minute": 6}
